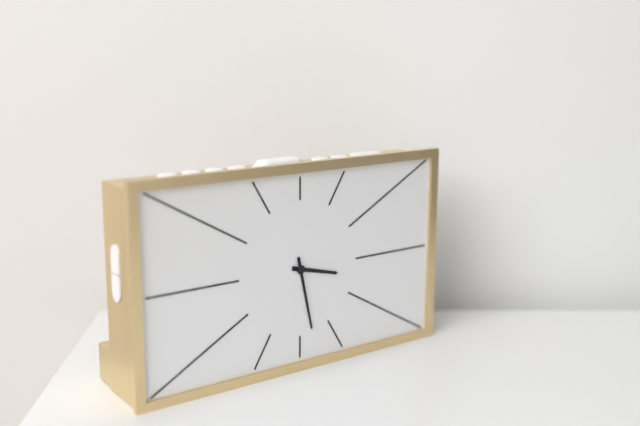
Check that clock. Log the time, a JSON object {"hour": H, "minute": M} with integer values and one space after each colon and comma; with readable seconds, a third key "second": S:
{"hour": 3, "minute": 28}
